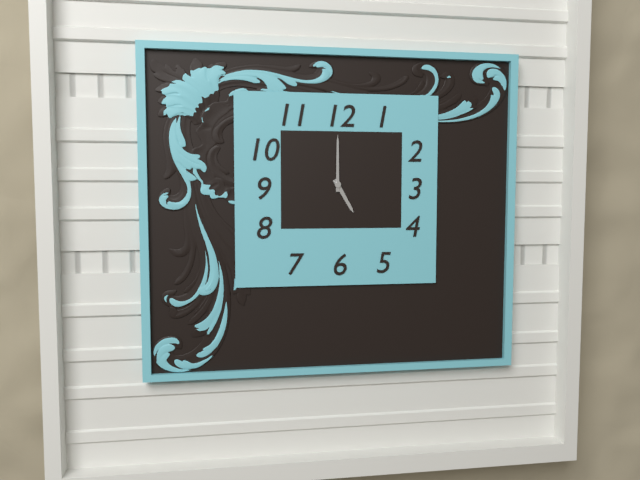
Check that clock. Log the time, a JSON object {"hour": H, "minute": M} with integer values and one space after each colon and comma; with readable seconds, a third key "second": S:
{"hour": 5, "minute": 0}
